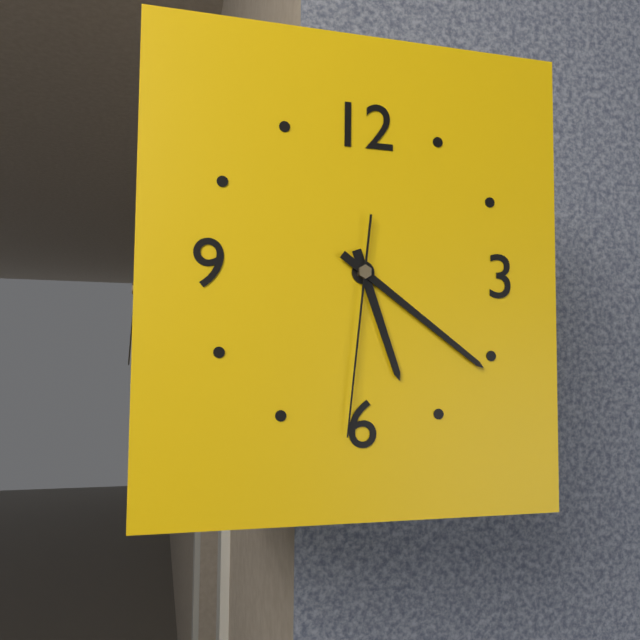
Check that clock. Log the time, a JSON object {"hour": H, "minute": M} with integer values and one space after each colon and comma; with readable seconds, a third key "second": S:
{"hour": 5, "minute": 21, "second": 31}
